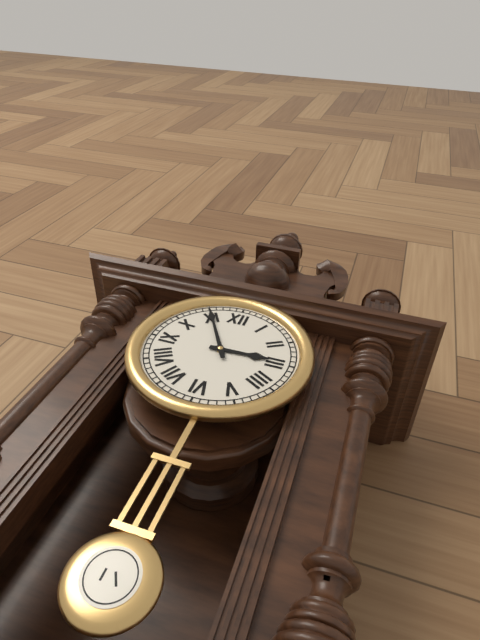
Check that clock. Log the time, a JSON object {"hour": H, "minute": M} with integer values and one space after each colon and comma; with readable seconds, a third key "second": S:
{"hour": 2, "minute": 55}
